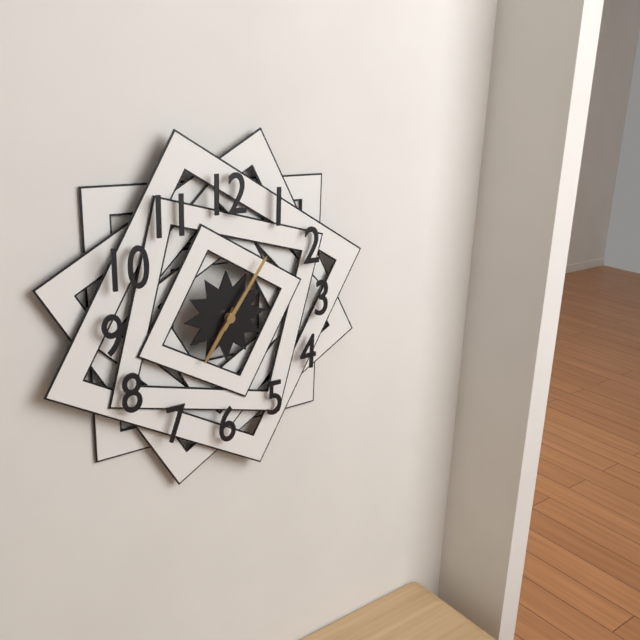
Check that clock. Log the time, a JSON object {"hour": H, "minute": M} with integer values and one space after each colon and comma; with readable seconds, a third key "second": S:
{"hour": 7, "minute": 6}
